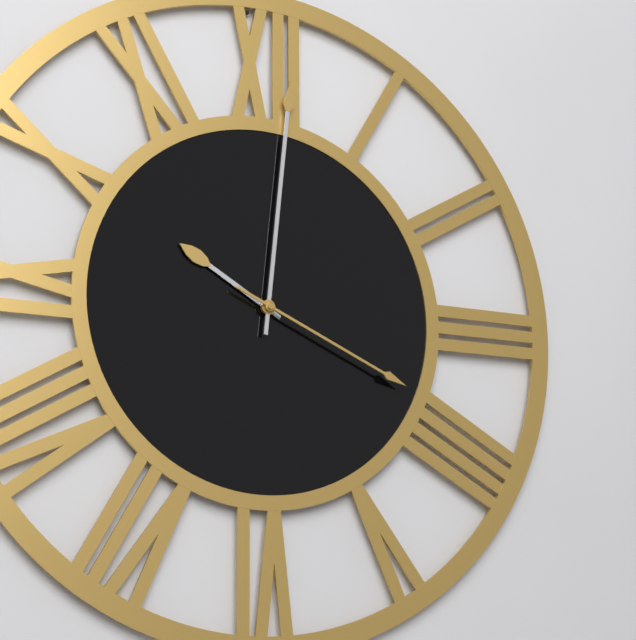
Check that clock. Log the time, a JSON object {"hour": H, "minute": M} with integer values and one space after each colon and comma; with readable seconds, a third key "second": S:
{"hour": 10, "minute": 1, "second": 19}
